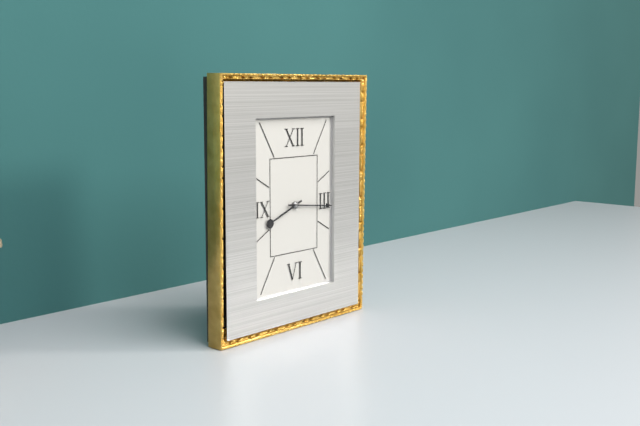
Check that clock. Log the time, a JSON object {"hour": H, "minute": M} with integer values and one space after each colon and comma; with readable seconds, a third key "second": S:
{"hour": 8, "minute": 16}
